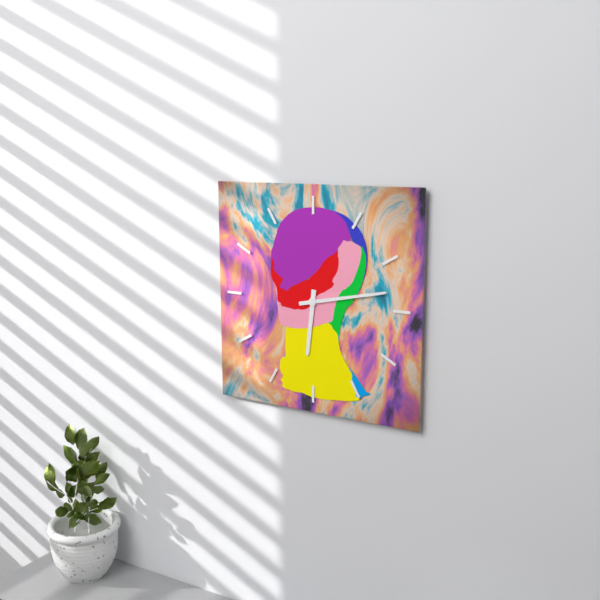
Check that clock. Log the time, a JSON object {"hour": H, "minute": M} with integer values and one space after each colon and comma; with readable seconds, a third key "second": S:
{"hour": 6, "minute": 13}
